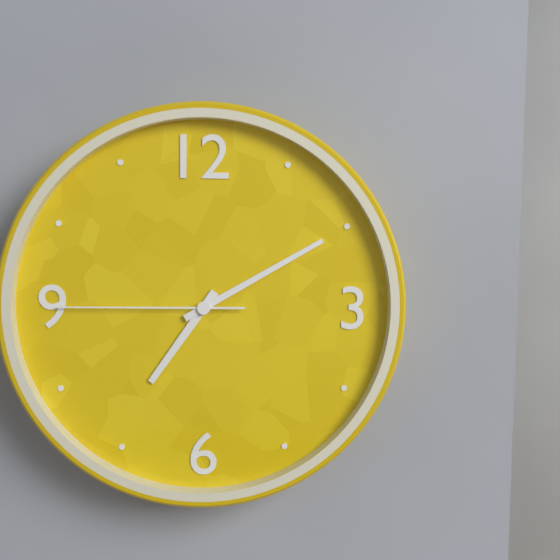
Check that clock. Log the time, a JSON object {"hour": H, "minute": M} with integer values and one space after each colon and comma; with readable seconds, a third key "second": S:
{"hour": 7, "minute": 10, "second": 45}
